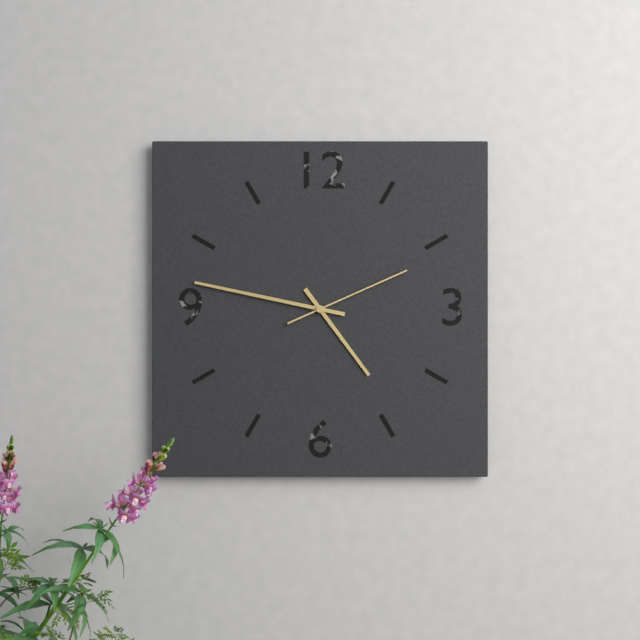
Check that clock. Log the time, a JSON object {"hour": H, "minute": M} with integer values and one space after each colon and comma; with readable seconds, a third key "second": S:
{"hour": 4, "minute": 47, "second": 11}
